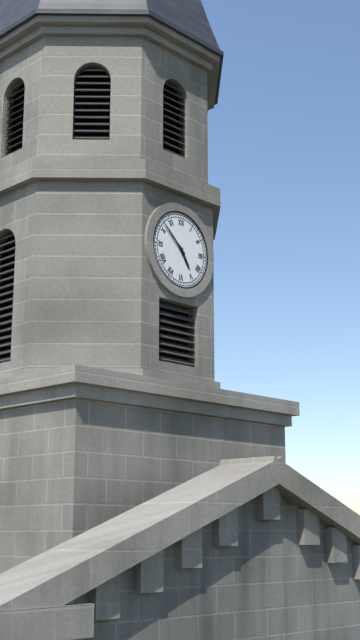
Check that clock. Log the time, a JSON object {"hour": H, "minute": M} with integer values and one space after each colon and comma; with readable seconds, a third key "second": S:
{"hour": 4, "minute": 52}
